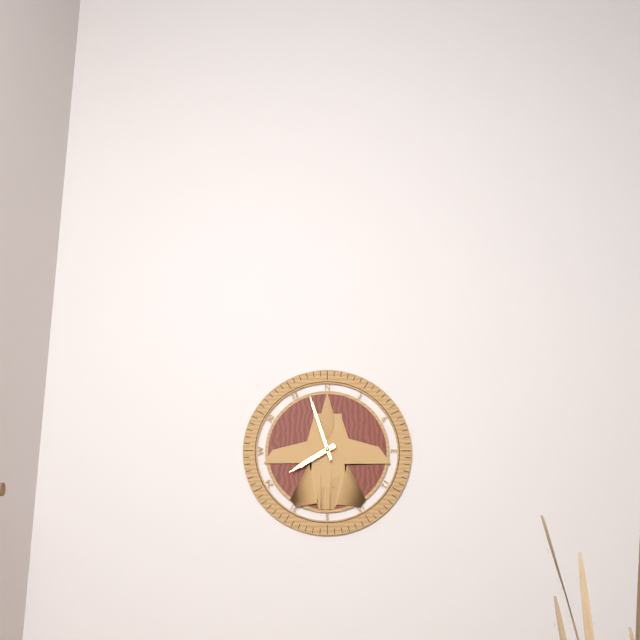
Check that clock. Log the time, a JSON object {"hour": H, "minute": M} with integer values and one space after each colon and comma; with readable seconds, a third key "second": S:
{"hour": 7, "minute": 57}
